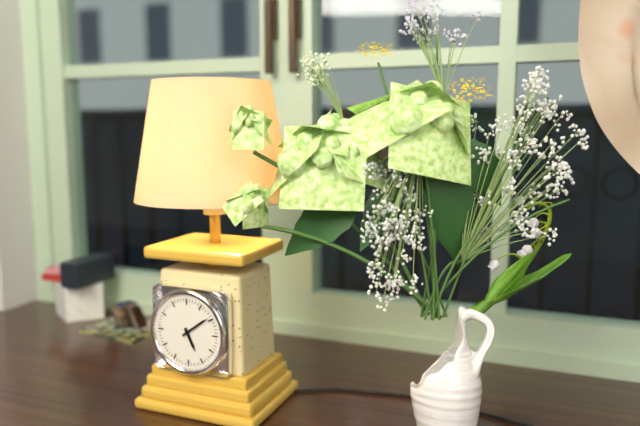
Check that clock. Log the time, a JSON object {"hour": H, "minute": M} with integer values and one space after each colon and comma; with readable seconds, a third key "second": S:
{"hour": 5, "minute": 9}
